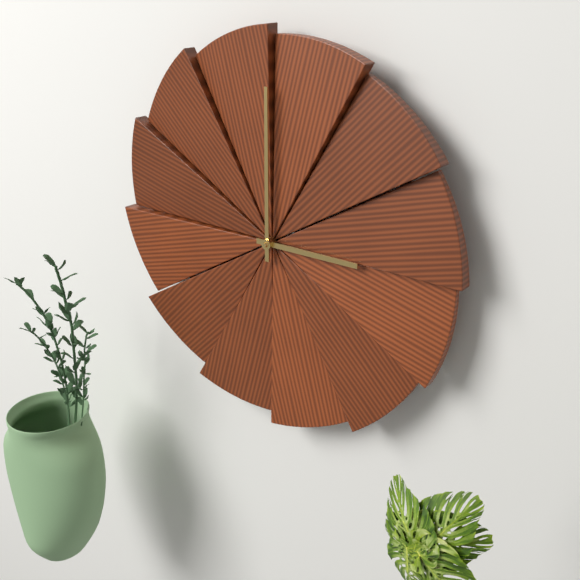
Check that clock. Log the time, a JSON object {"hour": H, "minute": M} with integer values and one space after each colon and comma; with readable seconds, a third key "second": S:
{"hour": 3, "minute": 0}
